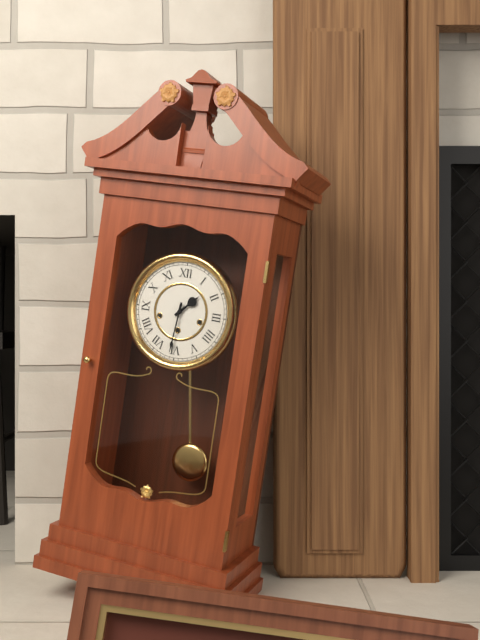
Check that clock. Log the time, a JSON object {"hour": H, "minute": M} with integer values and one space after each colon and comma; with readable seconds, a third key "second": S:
{"hour": 1, "minute": 31}
